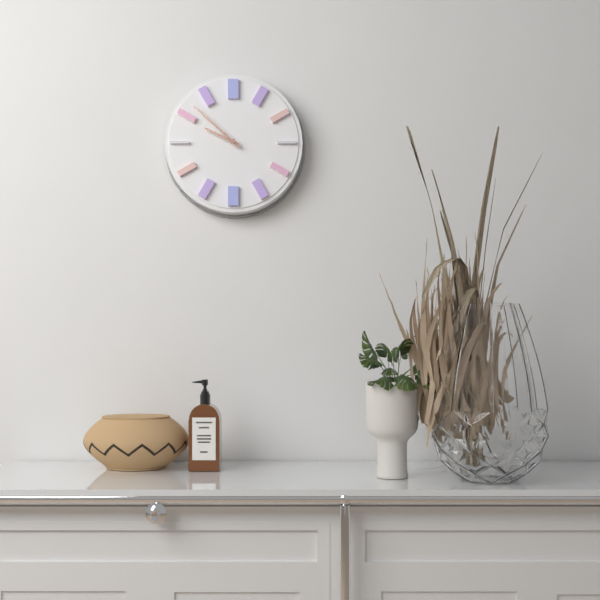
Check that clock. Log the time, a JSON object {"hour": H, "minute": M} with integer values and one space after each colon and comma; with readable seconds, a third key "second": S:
{"hour": 9, "minute": 52}
